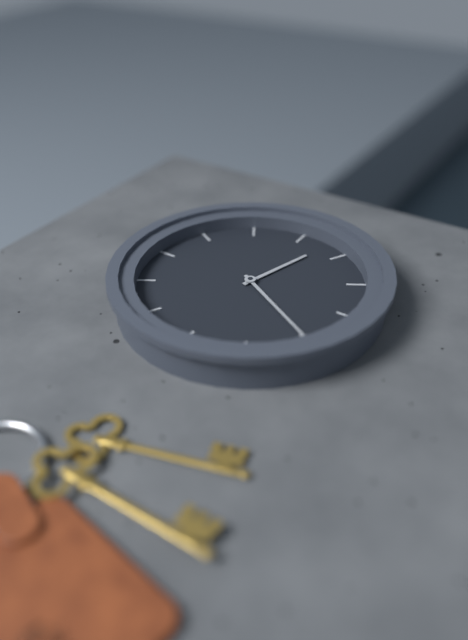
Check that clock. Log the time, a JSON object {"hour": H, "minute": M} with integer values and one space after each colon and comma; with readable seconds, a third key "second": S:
{"hour": 3, "minute": 35}
